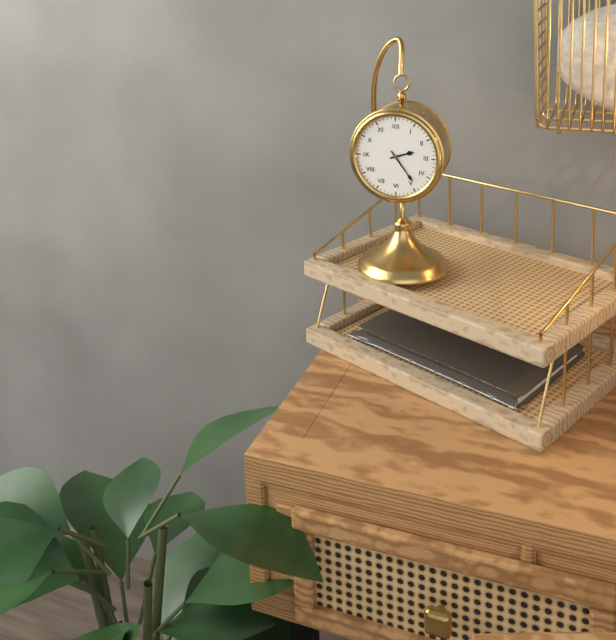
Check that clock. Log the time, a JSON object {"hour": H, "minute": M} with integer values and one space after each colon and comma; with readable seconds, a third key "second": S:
{"hour": 2, "minute": 24}
